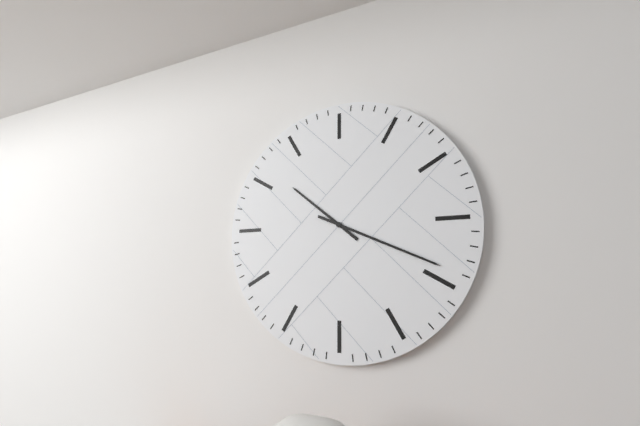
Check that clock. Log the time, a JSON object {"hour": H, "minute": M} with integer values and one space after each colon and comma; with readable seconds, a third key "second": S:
{"hour": 10, "minute": 19}
